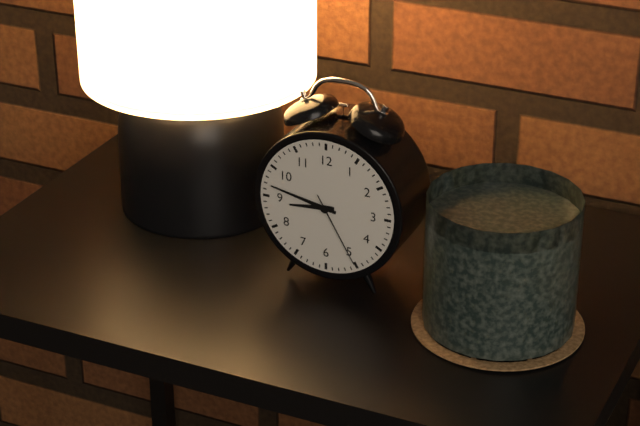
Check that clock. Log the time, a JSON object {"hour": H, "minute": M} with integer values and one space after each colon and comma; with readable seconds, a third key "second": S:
{"hour": 8, "minute": 47, "second": 25}
